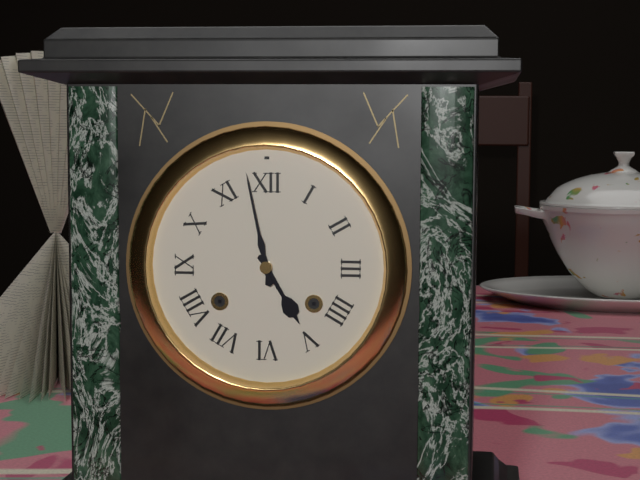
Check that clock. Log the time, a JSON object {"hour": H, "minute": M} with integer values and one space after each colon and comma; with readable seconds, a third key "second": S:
{"hour": 4, "minute": 58}
